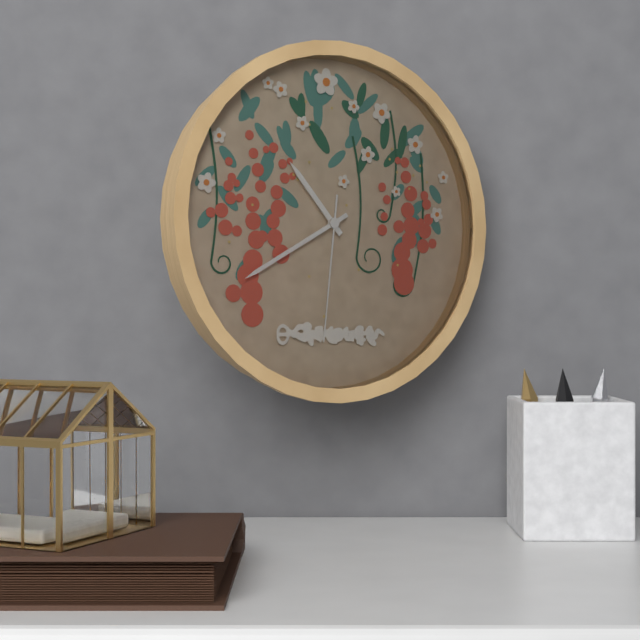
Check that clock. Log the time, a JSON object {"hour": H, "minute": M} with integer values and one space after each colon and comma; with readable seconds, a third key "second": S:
{"hour": 10, "minute": 40, "second": 31}
